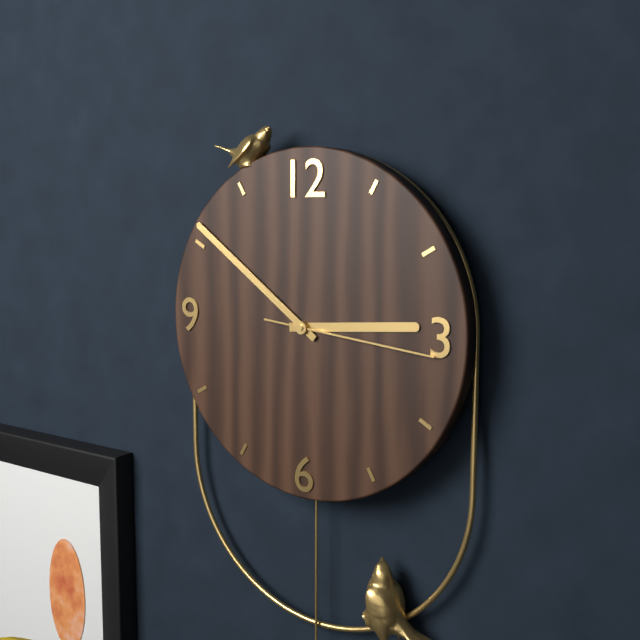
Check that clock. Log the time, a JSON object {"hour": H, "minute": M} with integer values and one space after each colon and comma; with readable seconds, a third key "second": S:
{"hour": 2, "minute": 51, "second": 16}
